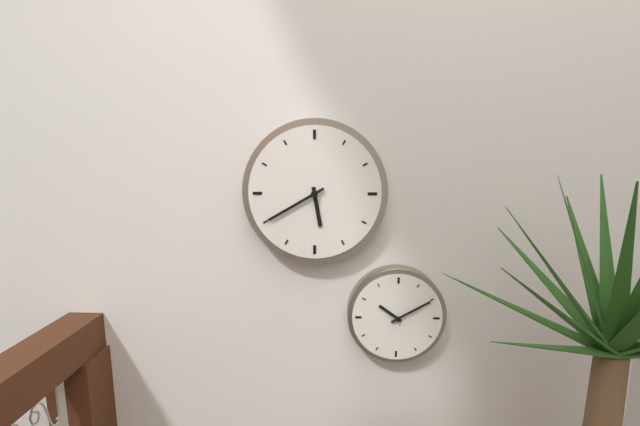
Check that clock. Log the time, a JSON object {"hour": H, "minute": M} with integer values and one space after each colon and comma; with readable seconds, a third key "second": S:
{"hour": 5, "minute": 40}
